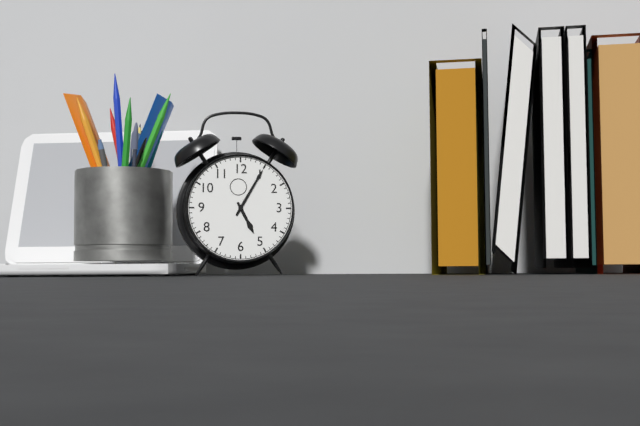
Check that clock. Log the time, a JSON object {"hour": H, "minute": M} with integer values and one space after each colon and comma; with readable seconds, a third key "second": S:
{"hour": 5, "minute": 5}
